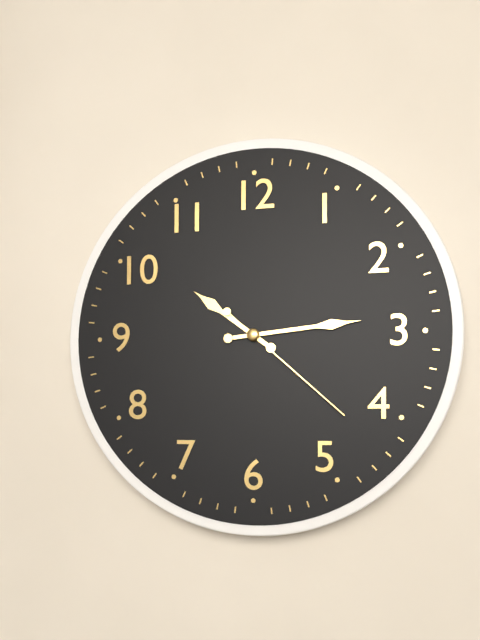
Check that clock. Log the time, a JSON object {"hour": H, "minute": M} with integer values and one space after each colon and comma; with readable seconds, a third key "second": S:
{"hour": 10, "minute": 14, "second": 22}
